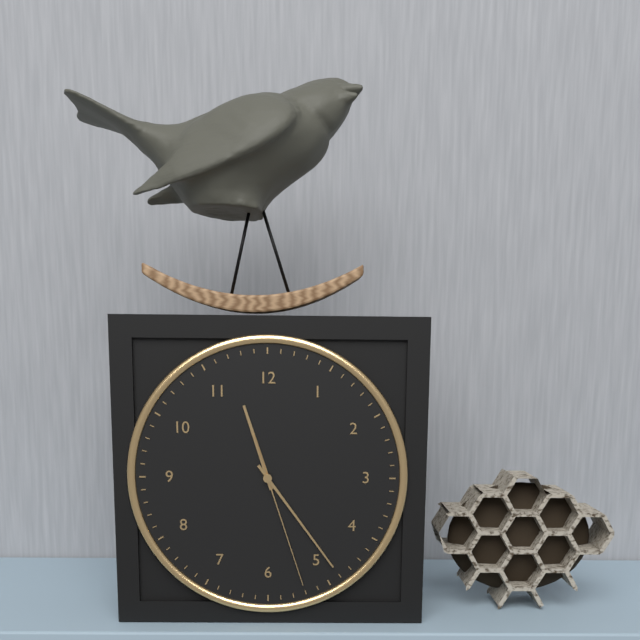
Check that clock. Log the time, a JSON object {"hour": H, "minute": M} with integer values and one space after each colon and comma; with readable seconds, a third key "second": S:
{"hour": 11, "minute": 24, "second": 27}
